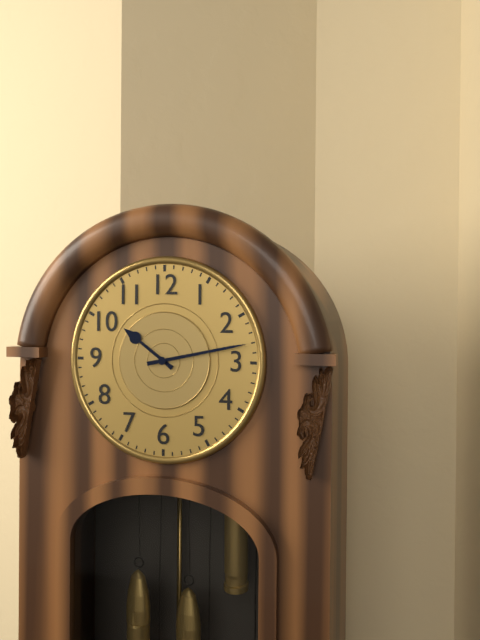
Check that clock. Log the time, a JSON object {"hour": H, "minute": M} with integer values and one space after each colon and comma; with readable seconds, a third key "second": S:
{"hour": 10, "minute": 13}
